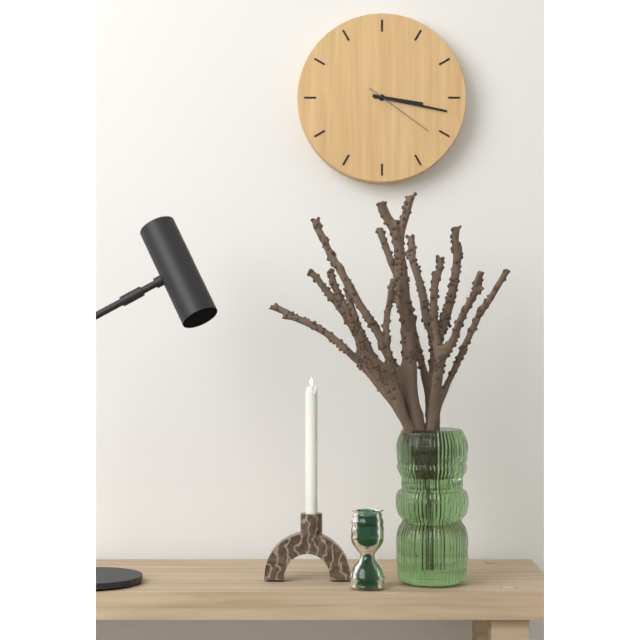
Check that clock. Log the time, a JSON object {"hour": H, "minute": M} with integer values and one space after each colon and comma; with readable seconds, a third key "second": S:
{"hour": 3, "minute": 17, "second": 21}
